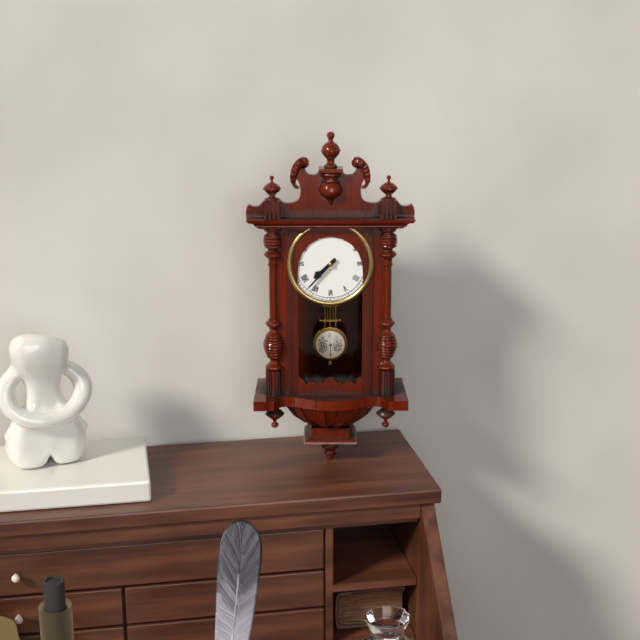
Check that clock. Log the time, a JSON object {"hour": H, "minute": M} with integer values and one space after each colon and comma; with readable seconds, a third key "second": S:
{"hour": 7, "minute": 37}
